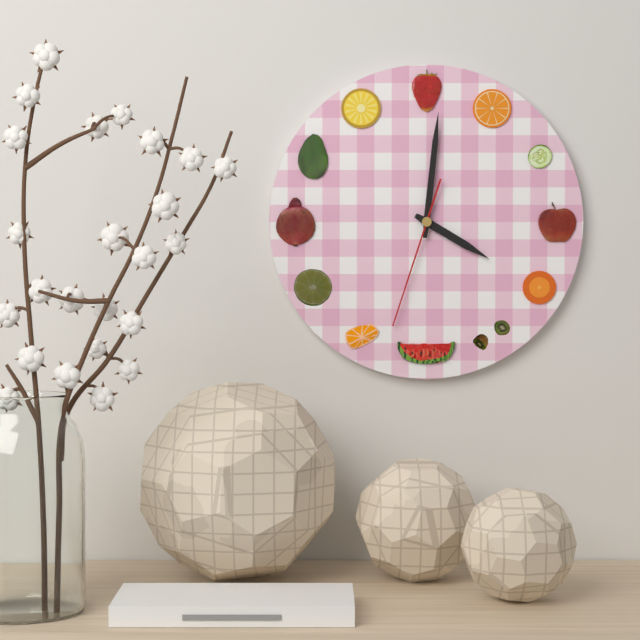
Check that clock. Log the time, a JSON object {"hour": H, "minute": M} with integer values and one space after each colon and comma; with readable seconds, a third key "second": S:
{"hour": 4, "minute": 1, "second": 33}
